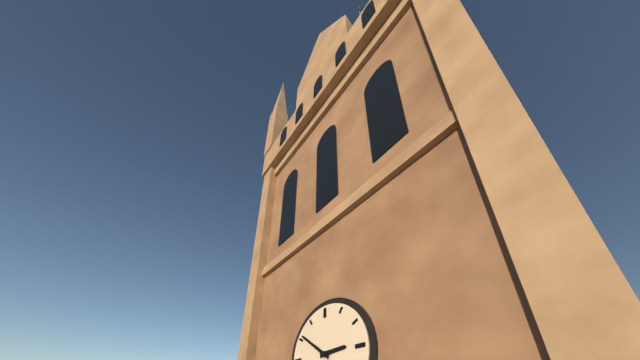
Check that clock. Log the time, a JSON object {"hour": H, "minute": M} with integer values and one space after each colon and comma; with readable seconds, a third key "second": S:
{"hour": 2, "minute": 51}
